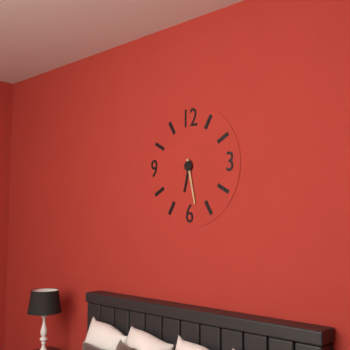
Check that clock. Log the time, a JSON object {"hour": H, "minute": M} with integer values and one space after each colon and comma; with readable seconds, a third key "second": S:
{"hour": 6, "minute": 28}
